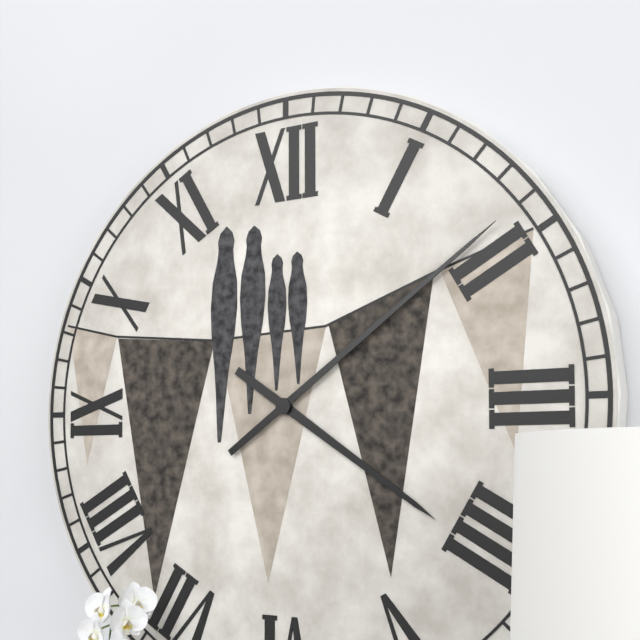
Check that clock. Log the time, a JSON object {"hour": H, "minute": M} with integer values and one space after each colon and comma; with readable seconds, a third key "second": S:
{"hour": 4, "minute": 9}
